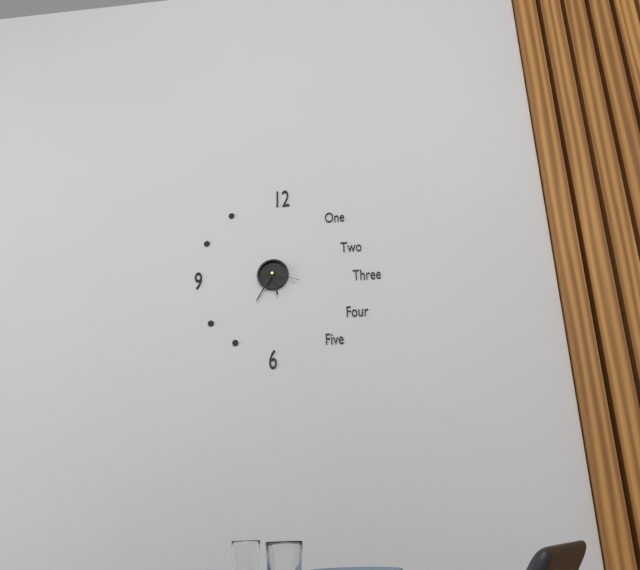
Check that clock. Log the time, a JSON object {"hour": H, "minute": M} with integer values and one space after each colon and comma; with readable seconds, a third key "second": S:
{"hour": 5, "minute": 35}
